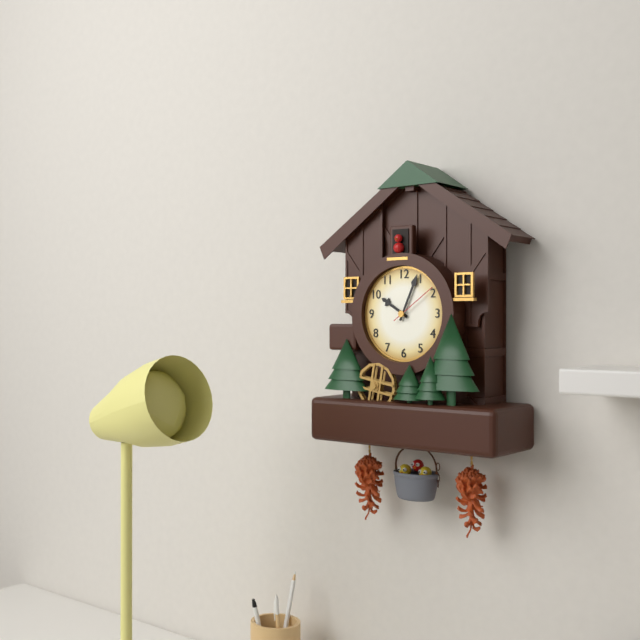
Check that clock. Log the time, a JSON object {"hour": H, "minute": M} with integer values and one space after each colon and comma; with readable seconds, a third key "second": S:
{"hour": 10, "minute": 4, "second": 9}
